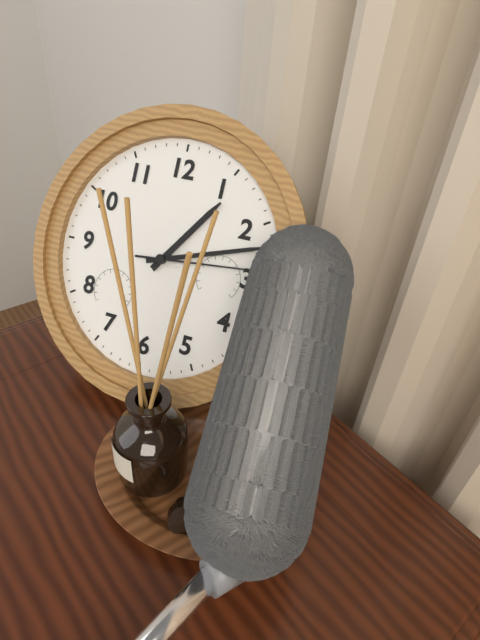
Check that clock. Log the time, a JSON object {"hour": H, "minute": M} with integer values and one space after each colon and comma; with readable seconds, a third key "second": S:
{"hour": 1, "minute": 12, "second": 14}
